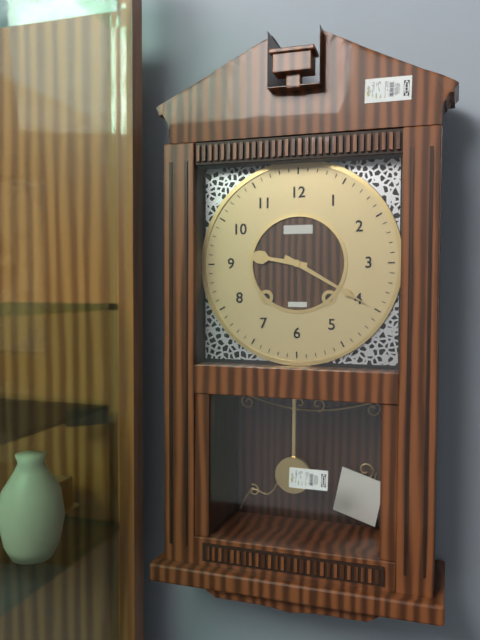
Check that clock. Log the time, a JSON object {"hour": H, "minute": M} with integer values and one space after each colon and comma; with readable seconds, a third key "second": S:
{"hour": 9, "minute": 20}
